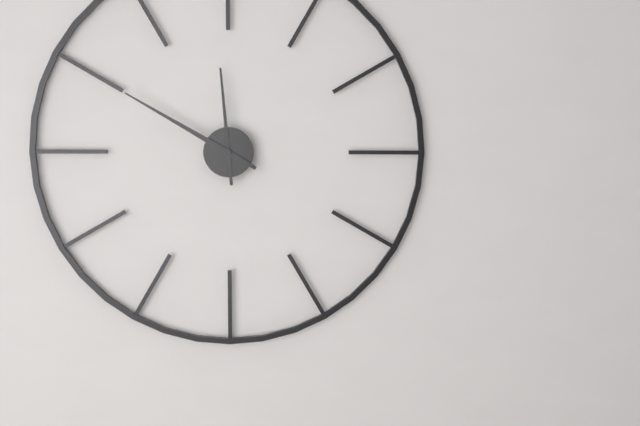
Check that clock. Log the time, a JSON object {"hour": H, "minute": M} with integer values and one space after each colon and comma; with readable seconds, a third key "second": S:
{"hour": 11, "minute": 50}
